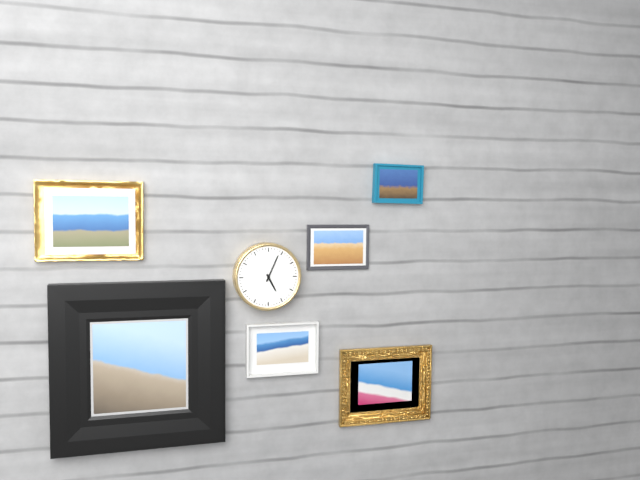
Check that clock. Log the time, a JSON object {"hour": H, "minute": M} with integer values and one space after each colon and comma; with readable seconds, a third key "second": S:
{"hour": 5, "minute": 4}
